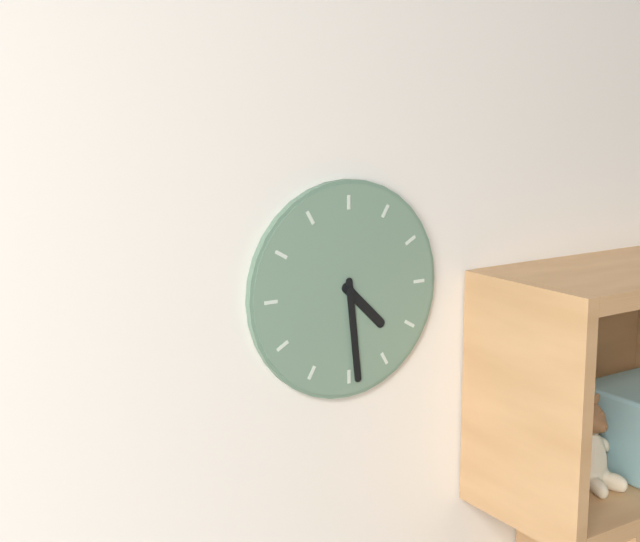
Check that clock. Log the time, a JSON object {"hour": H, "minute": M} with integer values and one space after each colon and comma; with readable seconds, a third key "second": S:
{"hour": 4, "minute": 29}
